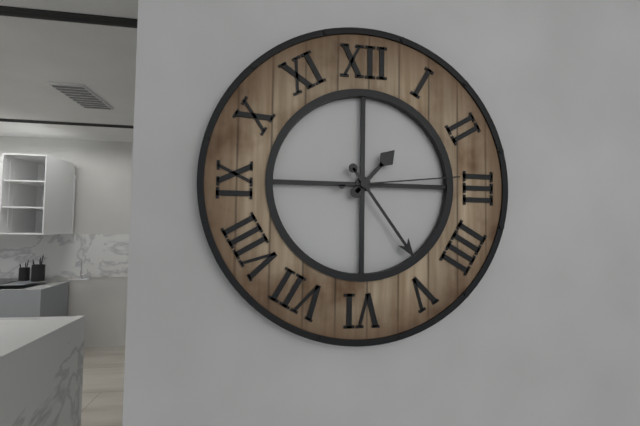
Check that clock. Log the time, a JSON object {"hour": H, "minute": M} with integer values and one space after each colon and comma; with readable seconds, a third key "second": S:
{"hour": 1, "minute": 24, "second": 14}
